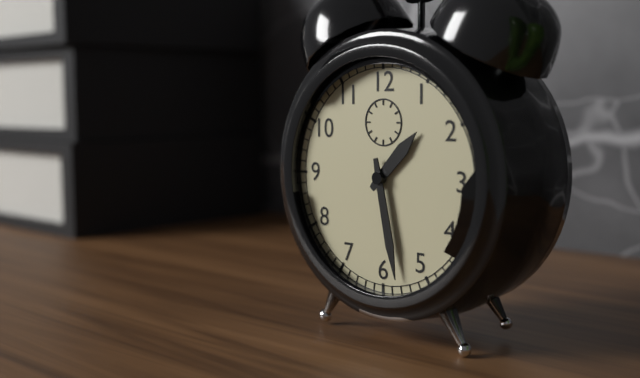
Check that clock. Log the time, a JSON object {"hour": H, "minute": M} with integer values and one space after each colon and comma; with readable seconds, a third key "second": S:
{"hour": 1, "minute": 28}
